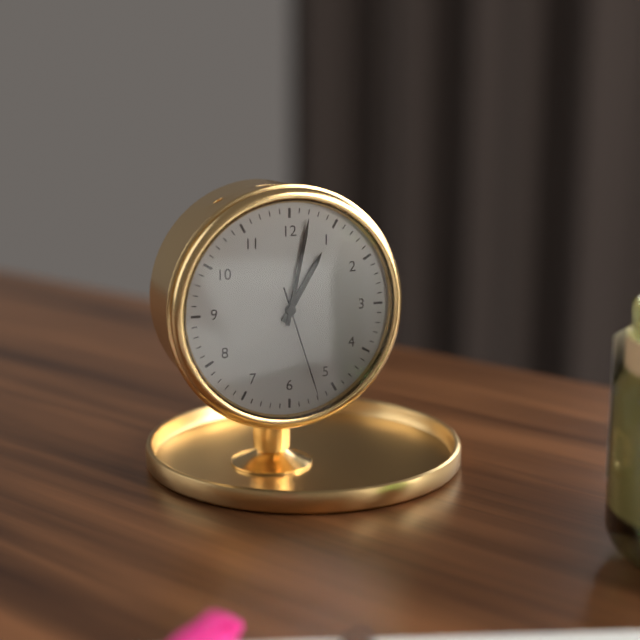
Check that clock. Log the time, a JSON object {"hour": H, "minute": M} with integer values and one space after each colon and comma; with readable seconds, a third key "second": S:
{"hour": 1, "minute": 2, "second": 27}
